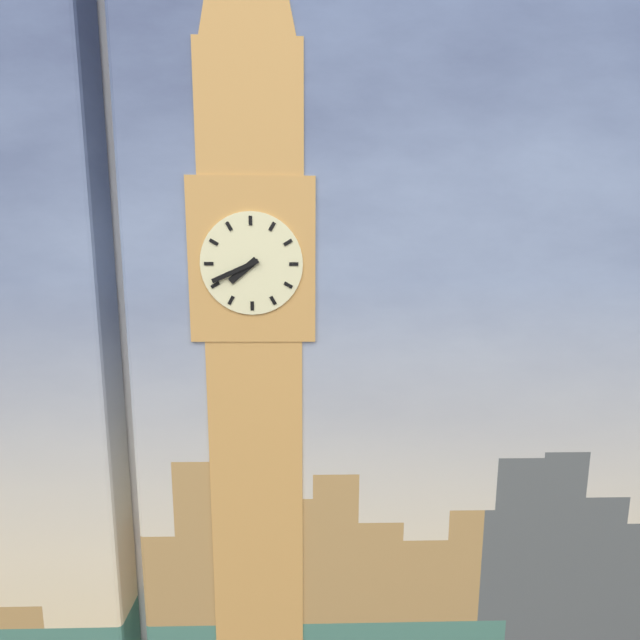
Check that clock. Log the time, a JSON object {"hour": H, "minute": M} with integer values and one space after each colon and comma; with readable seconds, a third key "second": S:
{"hour": 7, "minute": 41}
